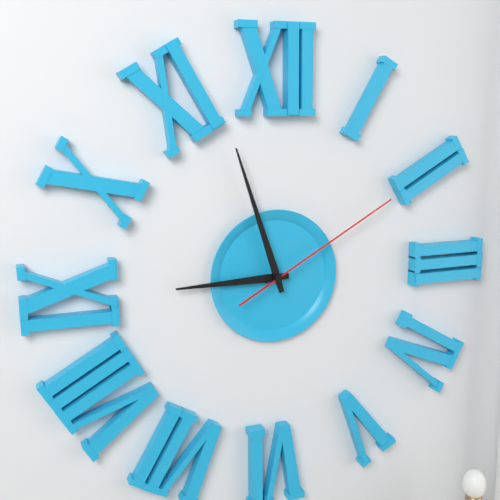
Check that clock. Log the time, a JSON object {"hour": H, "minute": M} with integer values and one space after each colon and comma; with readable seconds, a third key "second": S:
{"hour": 8, "minute": 57, "second": 10}
